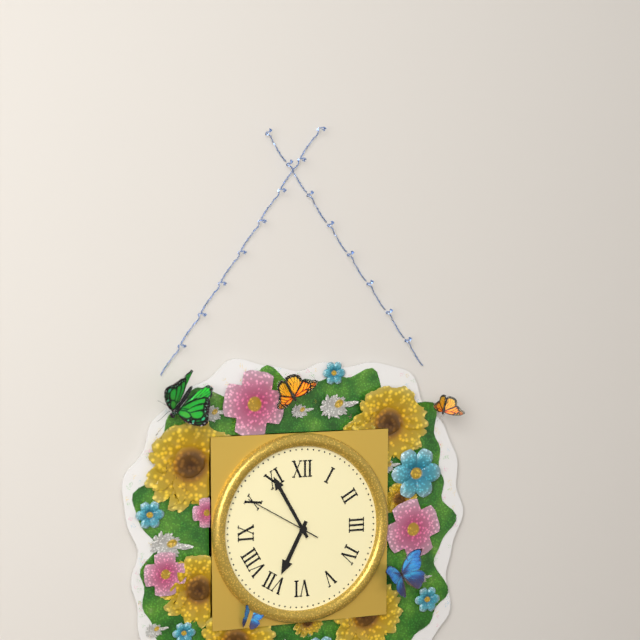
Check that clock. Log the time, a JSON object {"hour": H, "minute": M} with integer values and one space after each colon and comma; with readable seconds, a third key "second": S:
{"hour": 6, "minute": 55, "second": 50}
